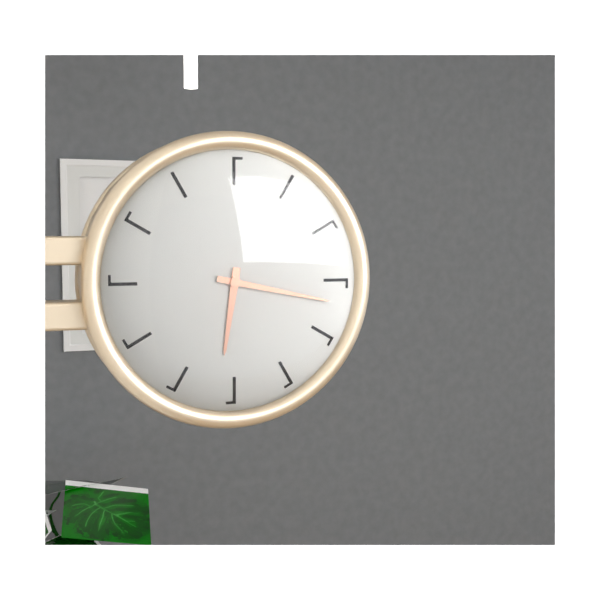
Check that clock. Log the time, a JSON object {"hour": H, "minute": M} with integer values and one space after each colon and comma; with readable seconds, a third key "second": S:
{"hour": 6, "minute": 17}
